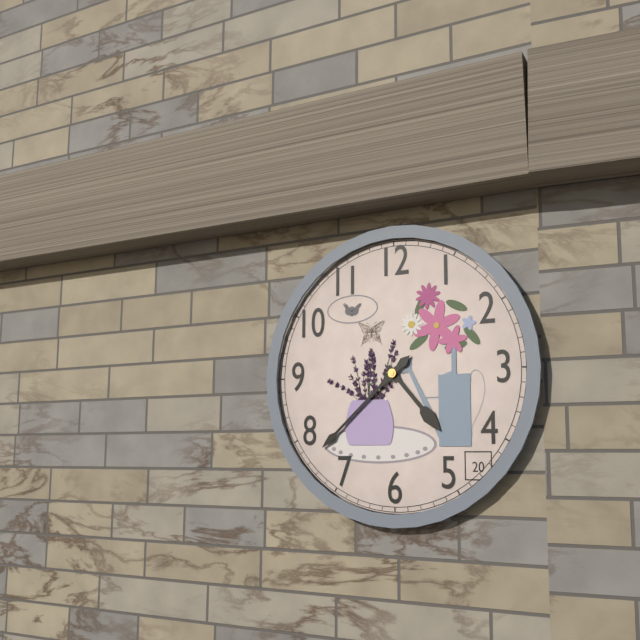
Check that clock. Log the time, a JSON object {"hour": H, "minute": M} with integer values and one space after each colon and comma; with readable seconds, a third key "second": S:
{"hour": 4, "minute": 38}
